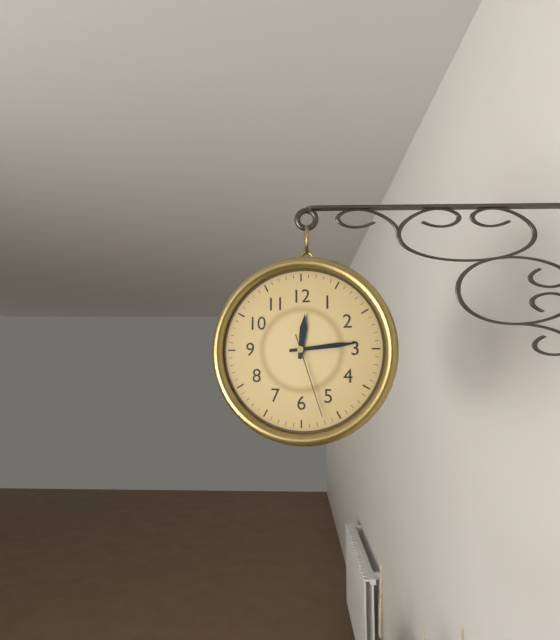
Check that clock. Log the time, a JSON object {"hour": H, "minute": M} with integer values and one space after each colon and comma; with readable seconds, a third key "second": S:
{"hour": 12, "minute": 14, "second": 27}
